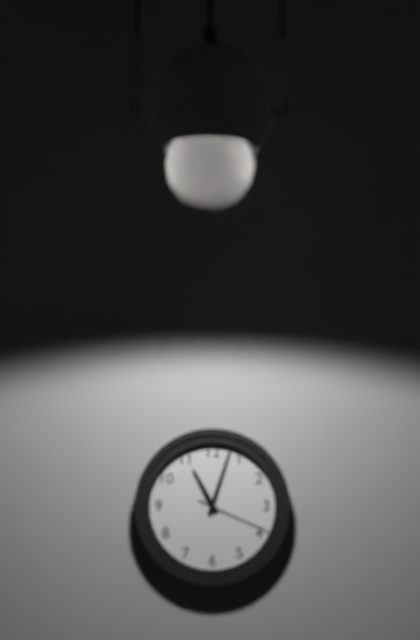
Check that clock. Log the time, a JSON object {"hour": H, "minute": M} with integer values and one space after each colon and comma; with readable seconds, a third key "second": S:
{"hour": 11, "minute": 3, "second": 19}
